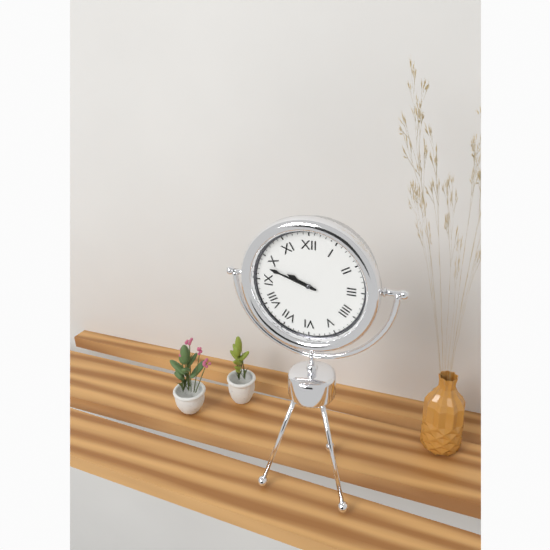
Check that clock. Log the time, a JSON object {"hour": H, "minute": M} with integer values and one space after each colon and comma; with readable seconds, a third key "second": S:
{"hour": 9, "minute": 48}
